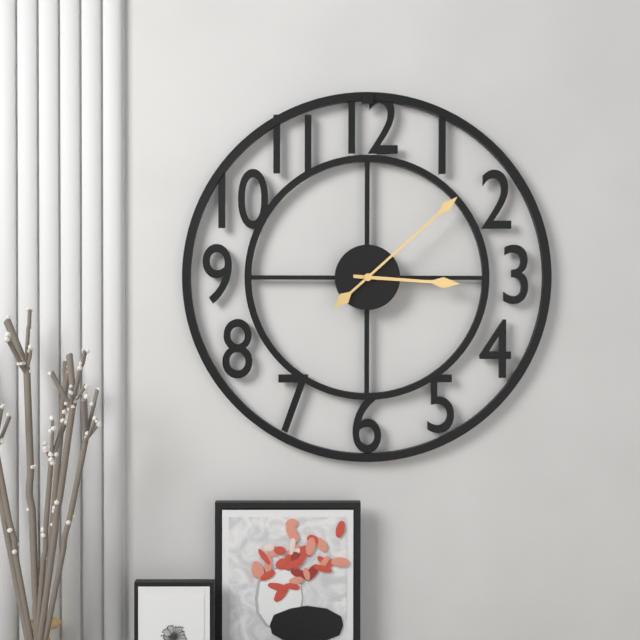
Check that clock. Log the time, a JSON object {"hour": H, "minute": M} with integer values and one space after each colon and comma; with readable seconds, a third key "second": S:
{"hour": 3, "minute": 8}
